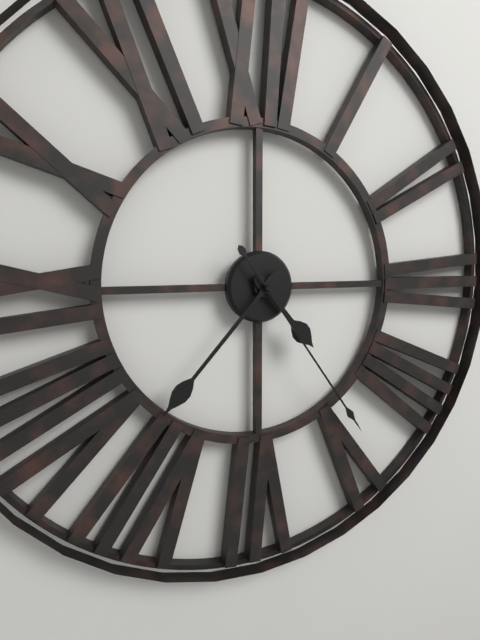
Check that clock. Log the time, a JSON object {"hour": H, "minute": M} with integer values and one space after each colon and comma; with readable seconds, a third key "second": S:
{"hour": 4, "minute": 37, "second": 24}
